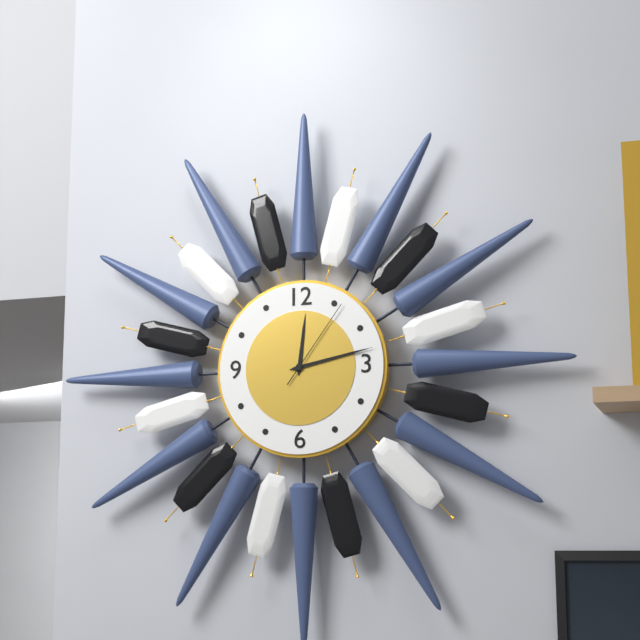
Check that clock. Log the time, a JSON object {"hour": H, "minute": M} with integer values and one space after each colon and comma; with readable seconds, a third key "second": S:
{"hour": 12, "minute": 13, "second": 6}
